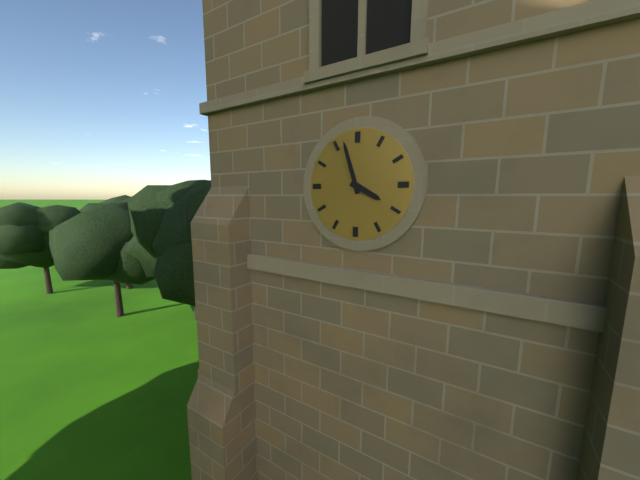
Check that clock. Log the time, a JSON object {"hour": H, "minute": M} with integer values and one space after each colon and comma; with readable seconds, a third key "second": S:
{"hour": 3, "minute": 57}
